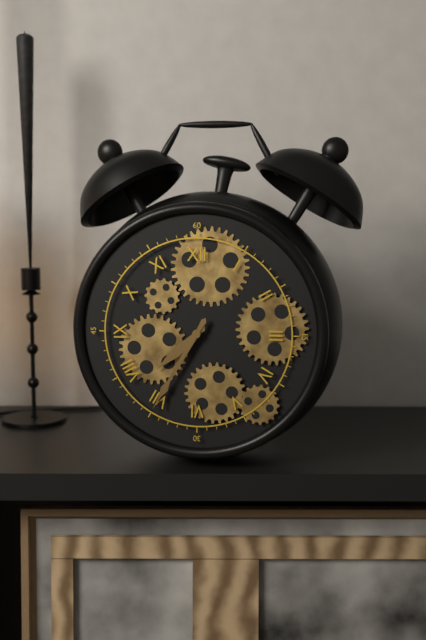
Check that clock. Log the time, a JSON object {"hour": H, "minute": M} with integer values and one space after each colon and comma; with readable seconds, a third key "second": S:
{"hour": 7, "minute": 35}
